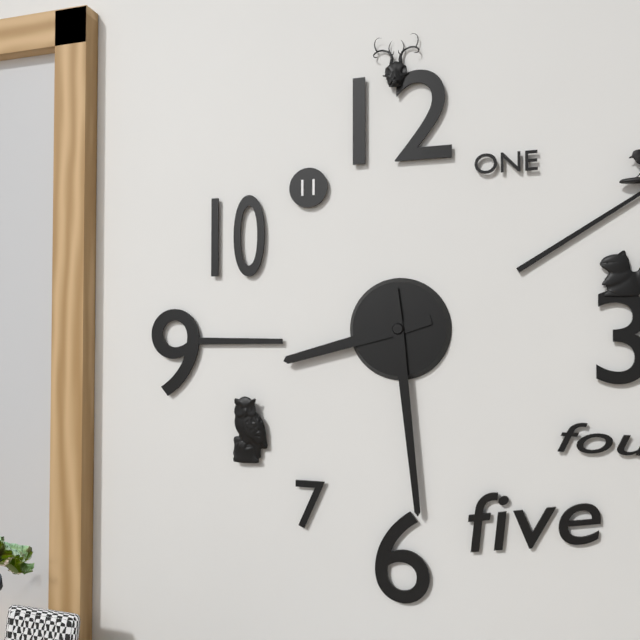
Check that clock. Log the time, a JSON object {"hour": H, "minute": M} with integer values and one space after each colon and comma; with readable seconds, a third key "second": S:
{"hour": 8, "minute": 29}
